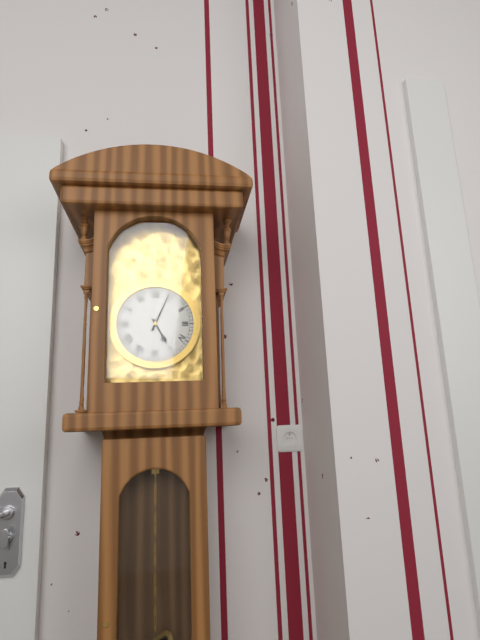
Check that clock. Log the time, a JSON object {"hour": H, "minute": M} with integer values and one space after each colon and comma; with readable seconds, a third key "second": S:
{"hour": 5, "minute": 4}
